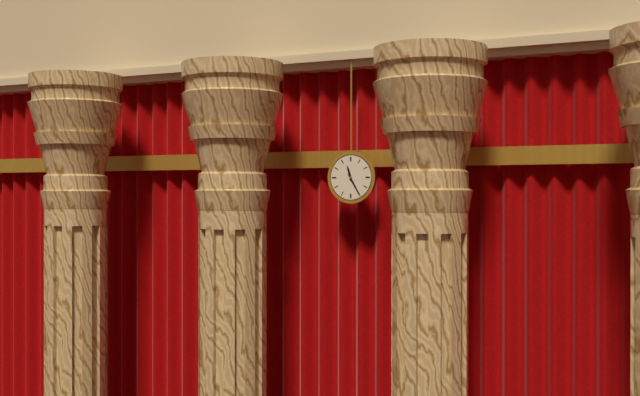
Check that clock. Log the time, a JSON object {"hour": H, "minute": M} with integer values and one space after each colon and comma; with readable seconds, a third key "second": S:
{"hour": 11, "minute": 25}
